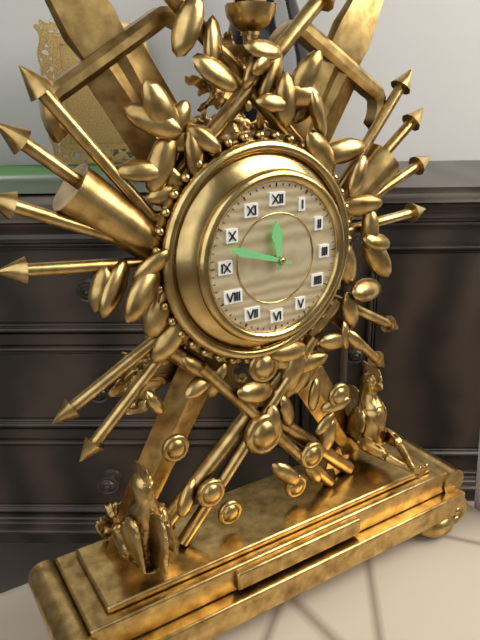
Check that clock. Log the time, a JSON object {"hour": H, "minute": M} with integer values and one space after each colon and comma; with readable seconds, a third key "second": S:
{"hour": 11, "minute": 48}
